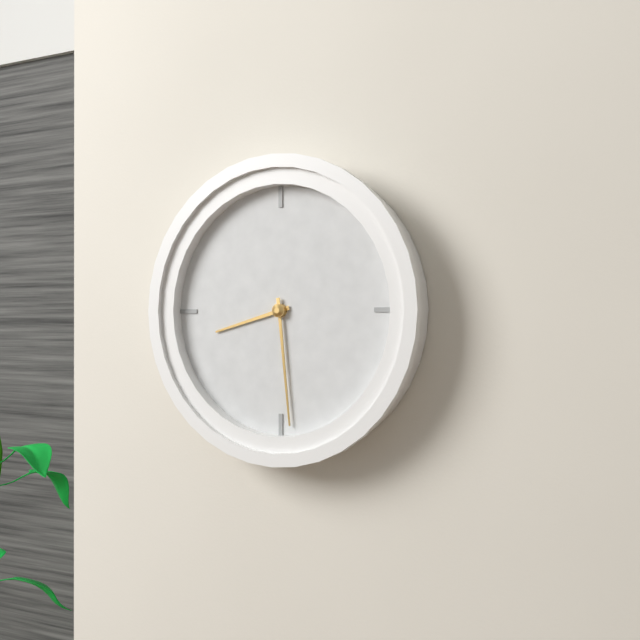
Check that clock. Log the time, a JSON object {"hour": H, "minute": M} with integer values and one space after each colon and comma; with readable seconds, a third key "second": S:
{"hour": 8, "minute": 29}
